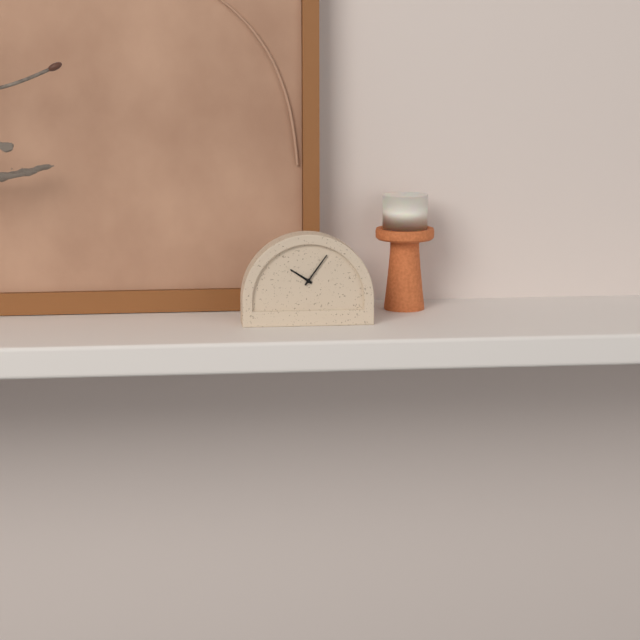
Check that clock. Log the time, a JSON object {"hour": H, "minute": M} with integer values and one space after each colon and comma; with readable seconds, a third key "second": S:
{"hour": 10, "minute": 6}
